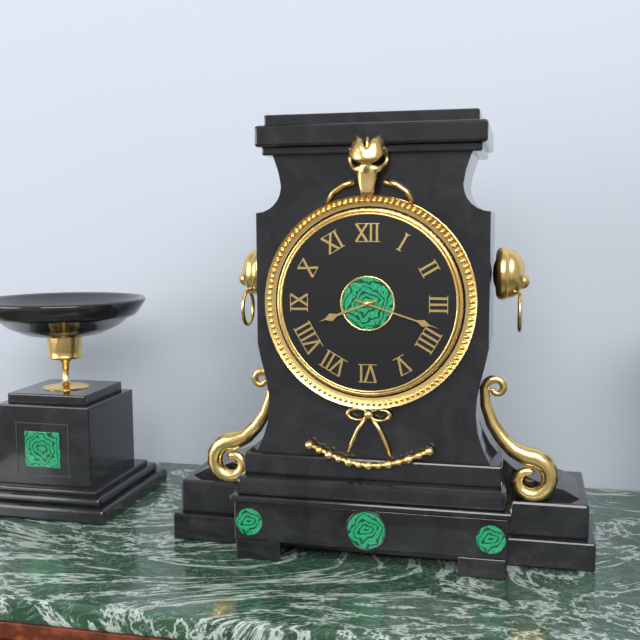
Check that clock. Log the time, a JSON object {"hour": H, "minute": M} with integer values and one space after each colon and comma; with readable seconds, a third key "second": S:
{"hour": 8, "minute": 18}
